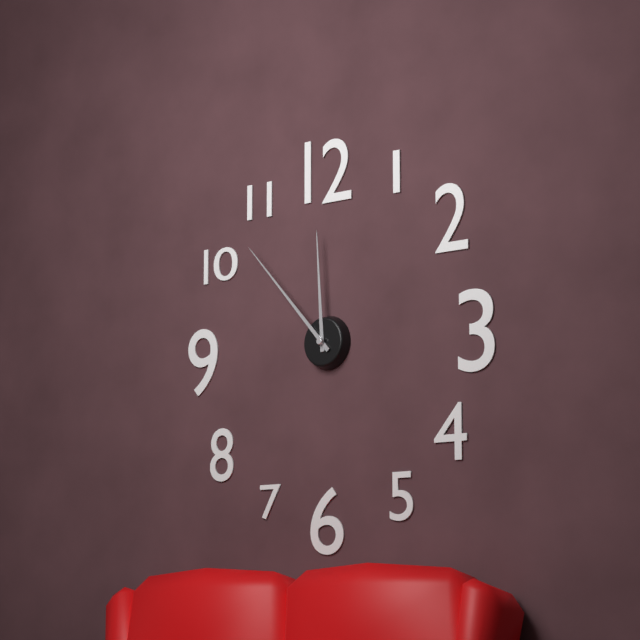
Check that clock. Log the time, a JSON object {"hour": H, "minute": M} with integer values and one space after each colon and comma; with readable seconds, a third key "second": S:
{"hour": 11, "minute": 53}
